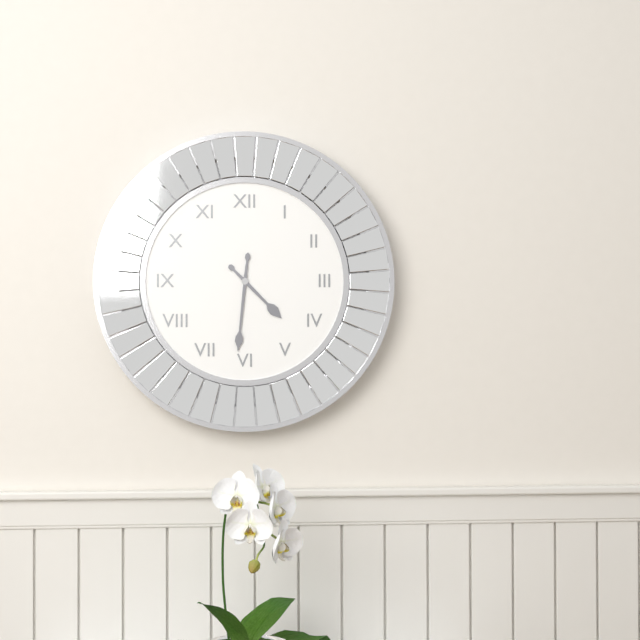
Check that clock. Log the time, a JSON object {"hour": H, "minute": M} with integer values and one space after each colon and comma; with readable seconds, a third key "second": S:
{"hour": 4, "minute": 31}
